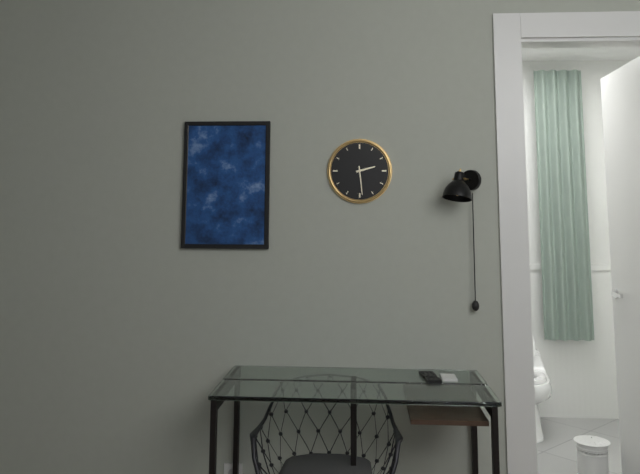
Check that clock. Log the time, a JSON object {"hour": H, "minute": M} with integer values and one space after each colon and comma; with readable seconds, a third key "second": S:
{"hour": 2, "minute": 29}
